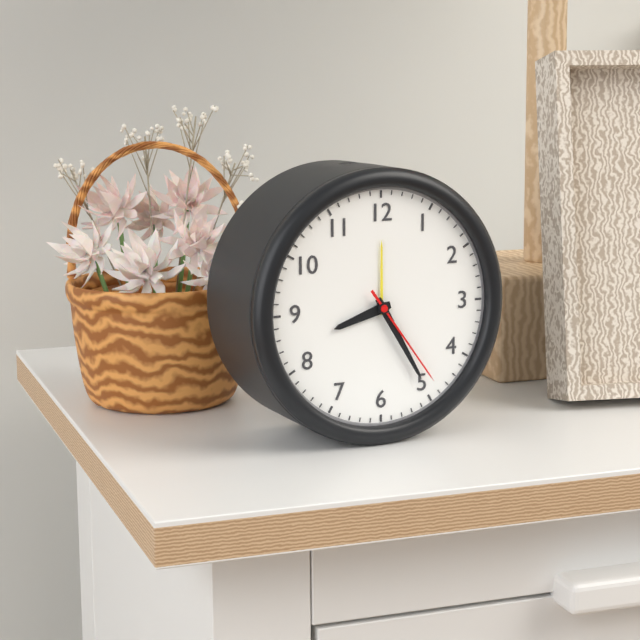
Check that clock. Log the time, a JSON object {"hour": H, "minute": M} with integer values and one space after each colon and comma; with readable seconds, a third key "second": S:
{"hour": 8, "minute": 25, "second": 24}
